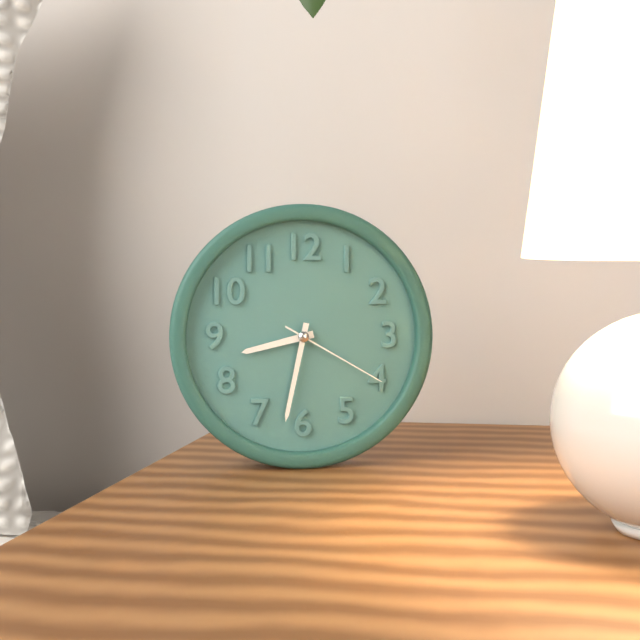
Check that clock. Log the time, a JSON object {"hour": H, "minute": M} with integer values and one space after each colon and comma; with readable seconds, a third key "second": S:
{"hour": 8, "minute": 32, "second": 20}
